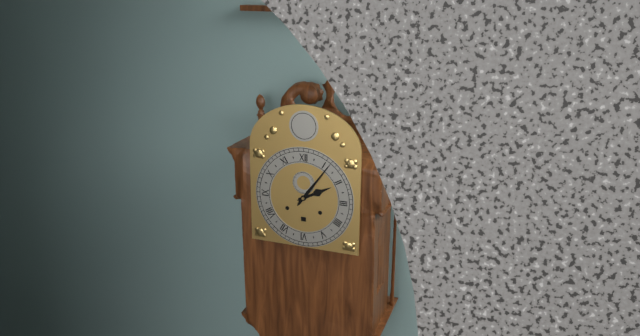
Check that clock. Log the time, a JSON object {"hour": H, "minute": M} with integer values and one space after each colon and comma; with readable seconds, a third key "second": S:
{"hour": 2, "minute": 6}
